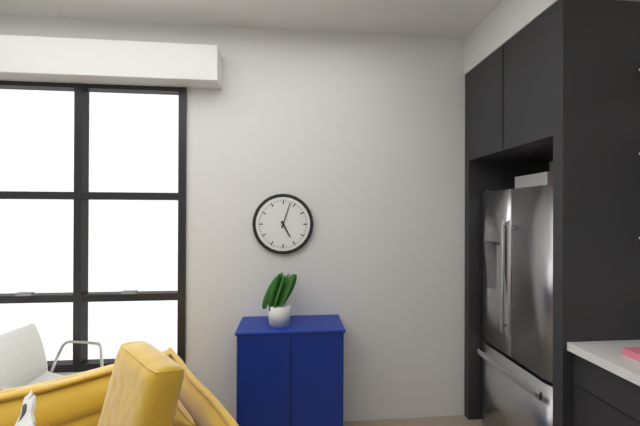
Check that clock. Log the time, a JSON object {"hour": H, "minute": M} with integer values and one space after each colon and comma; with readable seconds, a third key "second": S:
{"hour": 5, "minute": 3}
